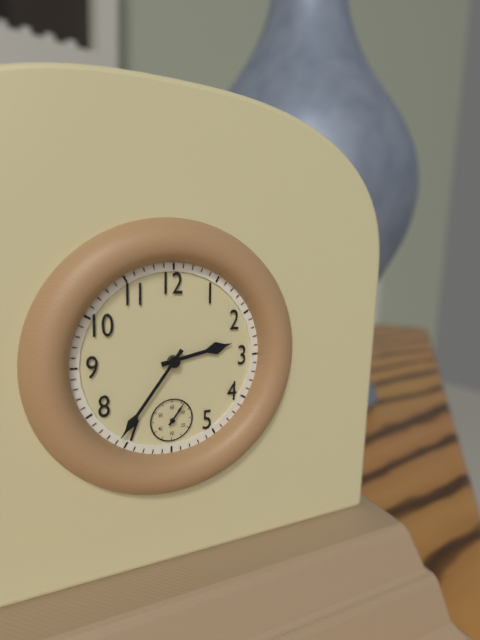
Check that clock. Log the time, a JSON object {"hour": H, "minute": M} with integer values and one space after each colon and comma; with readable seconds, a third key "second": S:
{"hour": 2, "minute": 36}
